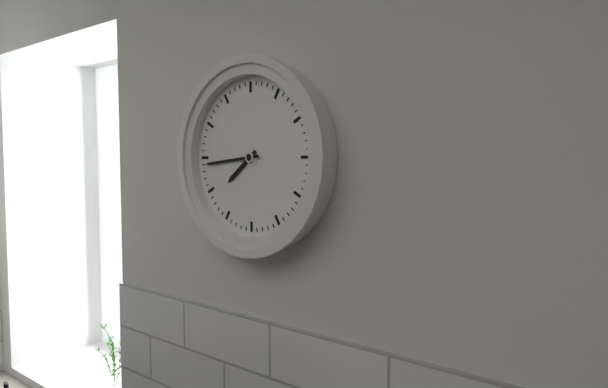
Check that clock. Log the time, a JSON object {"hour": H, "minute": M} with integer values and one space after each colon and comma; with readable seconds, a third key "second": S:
{"hour": 7, "minute": 44}
